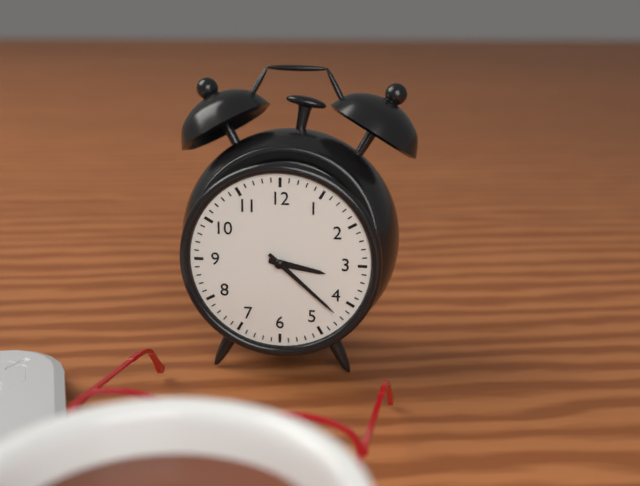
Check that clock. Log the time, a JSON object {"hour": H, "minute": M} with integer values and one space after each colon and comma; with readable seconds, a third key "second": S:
{"hour": 3, "minute": 22}
